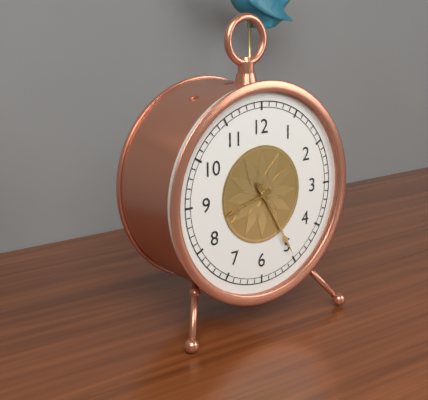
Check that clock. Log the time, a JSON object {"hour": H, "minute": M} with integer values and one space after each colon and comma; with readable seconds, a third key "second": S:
{"hour": 8, "minute": 25}
